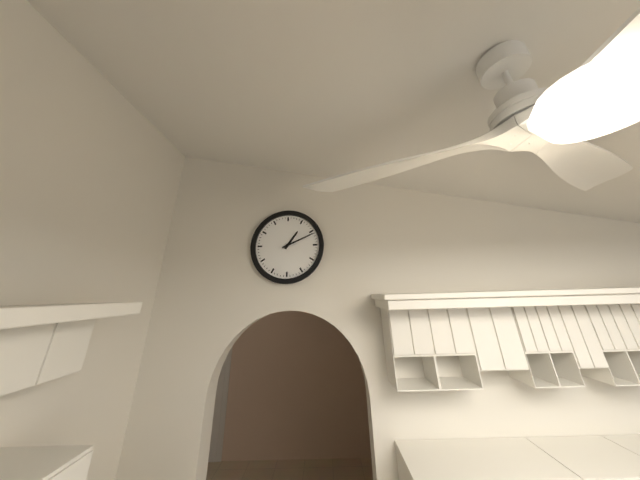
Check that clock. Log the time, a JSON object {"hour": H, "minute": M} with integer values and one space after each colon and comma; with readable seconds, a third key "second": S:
{"hour": 1, "minute": 11}
